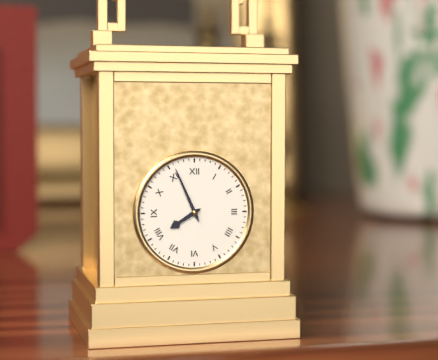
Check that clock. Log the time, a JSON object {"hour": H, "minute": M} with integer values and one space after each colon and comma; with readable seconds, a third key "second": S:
{"hour": 7, "minute": 56}
